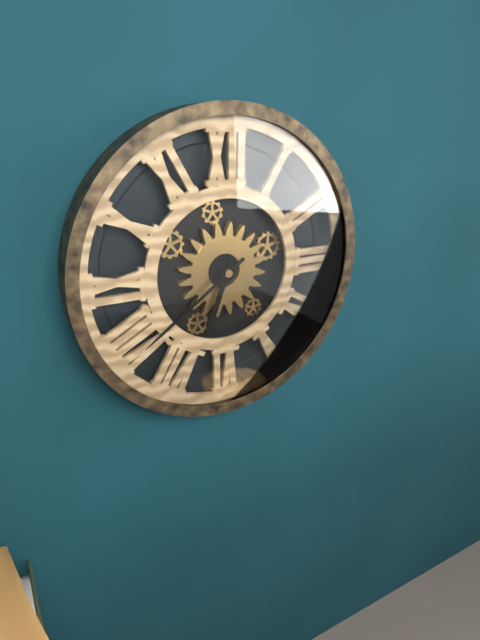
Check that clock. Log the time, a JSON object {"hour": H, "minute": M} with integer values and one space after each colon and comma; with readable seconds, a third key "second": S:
{"hour": 6, "minute": 39}
